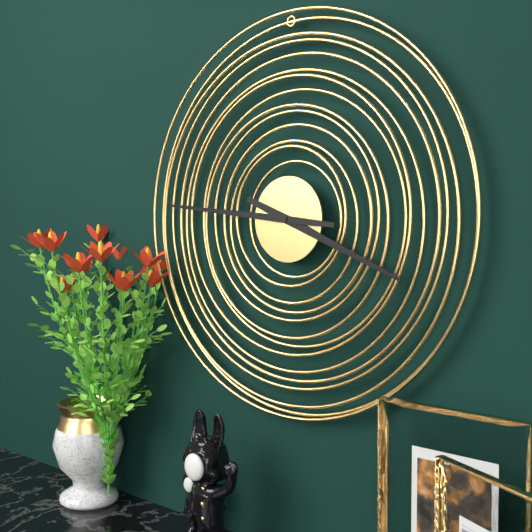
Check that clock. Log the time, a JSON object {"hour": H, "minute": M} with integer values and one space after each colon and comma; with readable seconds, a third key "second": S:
{"hour": 3, "minute": 46}
